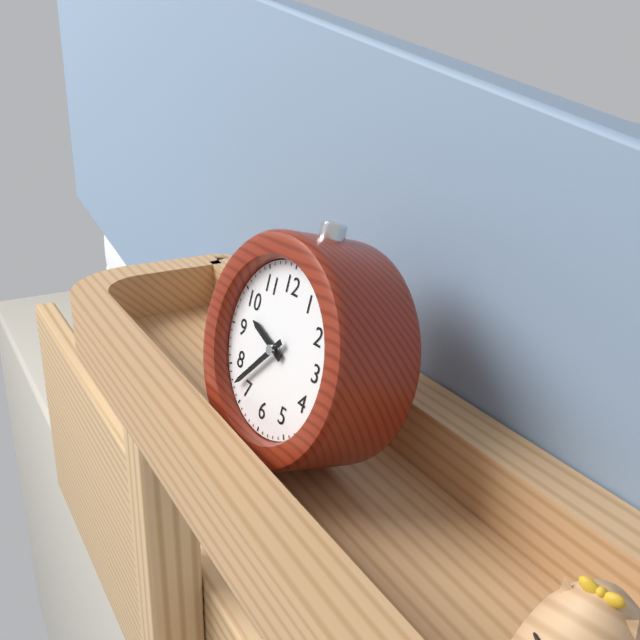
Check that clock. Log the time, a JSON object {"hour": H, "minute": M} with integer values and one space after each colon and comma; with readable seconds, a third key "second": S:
{"hour": 9, "minute": 37}
